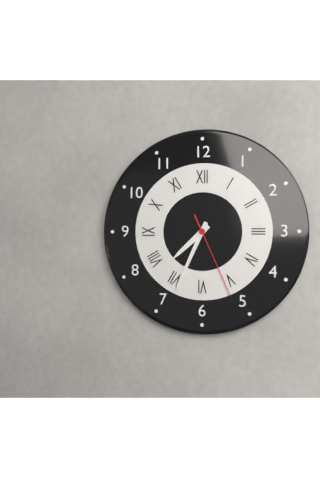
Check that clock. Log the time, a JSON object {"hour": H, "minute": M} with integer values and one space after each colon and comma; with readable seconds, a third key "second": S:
{"hour": 7, "minute": 34, "second": 26}
